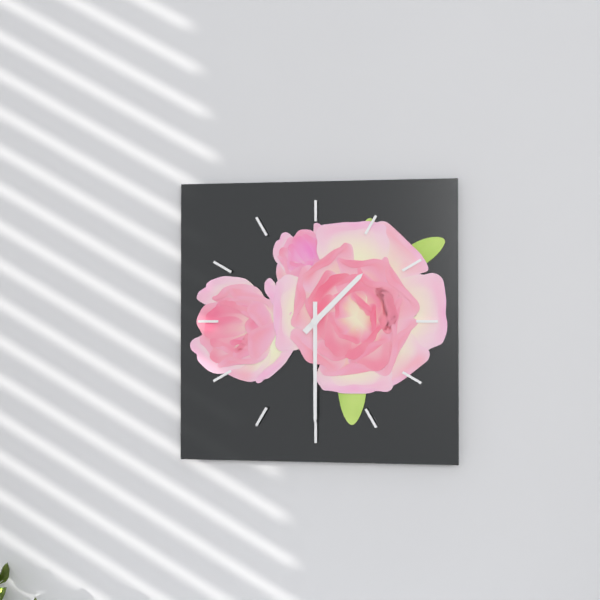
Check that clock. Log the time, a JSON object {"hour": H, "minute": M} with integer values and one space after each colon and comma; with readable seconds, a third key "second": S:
{"hour": 1, "minute": 30}
